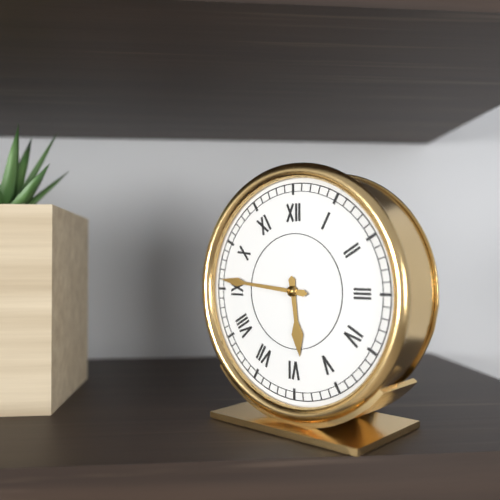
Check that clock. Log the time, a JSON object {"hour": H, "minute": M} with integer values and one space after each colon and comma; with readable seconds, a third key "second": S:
{"hour": 5, "minute": 46}
